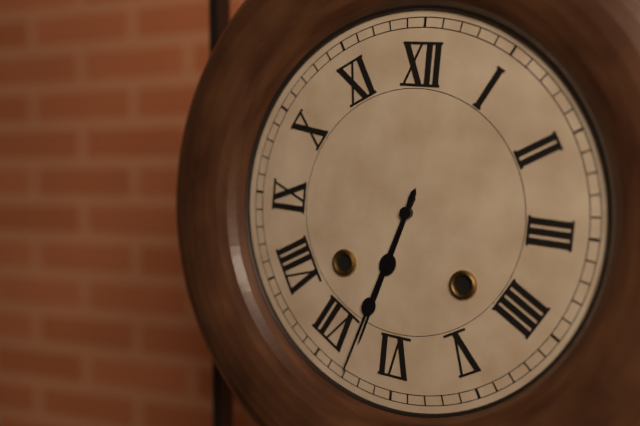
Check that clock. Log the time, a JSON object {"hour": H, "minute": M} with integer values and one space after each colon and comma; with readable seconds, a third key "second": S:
{"hour": 6, "minute": 33}
